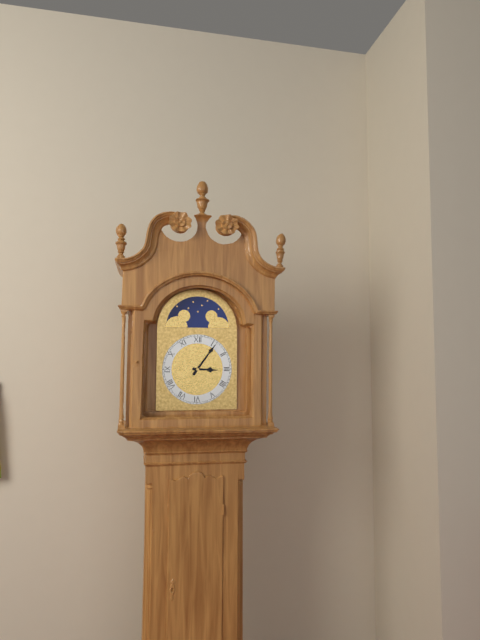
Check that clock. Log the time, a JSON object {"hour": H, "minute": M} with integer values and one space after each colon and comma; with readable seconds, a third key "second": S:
{"hour": 3, "minute": 6}
